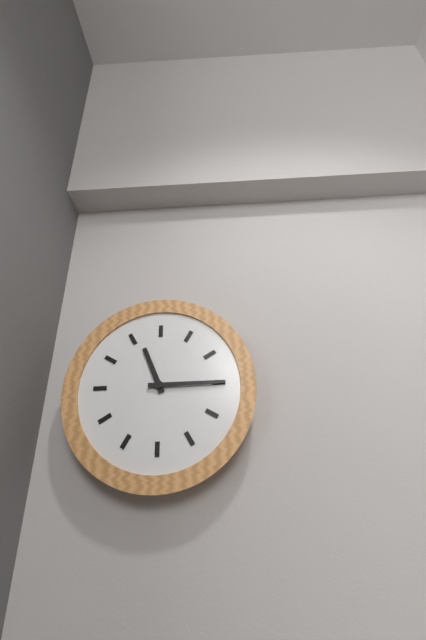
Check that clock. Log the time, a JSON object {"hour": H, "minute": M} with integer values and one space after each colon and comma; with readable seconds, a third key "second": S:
{"hour": 11, "minute": 15}
